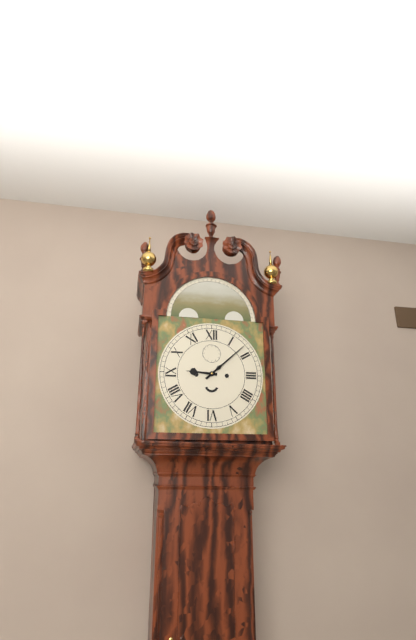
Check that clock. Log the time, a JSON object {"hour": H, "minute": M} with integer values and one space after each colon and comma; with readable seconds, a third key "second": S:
{"hour": 9, "minute": 8}
